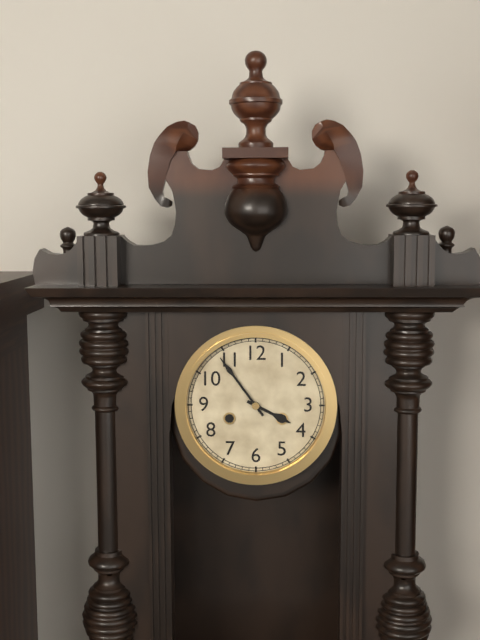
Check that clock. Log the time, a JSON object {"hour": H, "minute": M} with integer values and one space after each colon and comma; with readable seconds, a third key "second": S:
{"hour": 3, "minute": 54}
